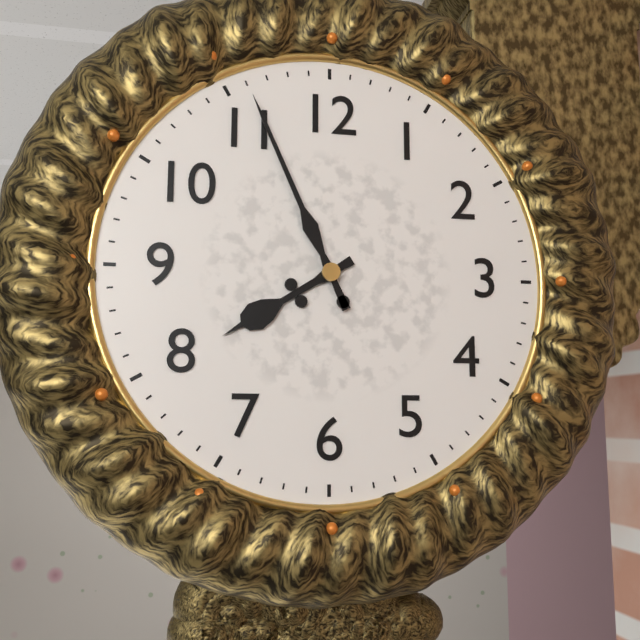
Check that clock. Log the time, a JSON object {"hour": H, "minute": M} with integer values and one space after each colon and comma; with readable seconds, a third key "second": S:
{"hour": 7, "minute": 56}
